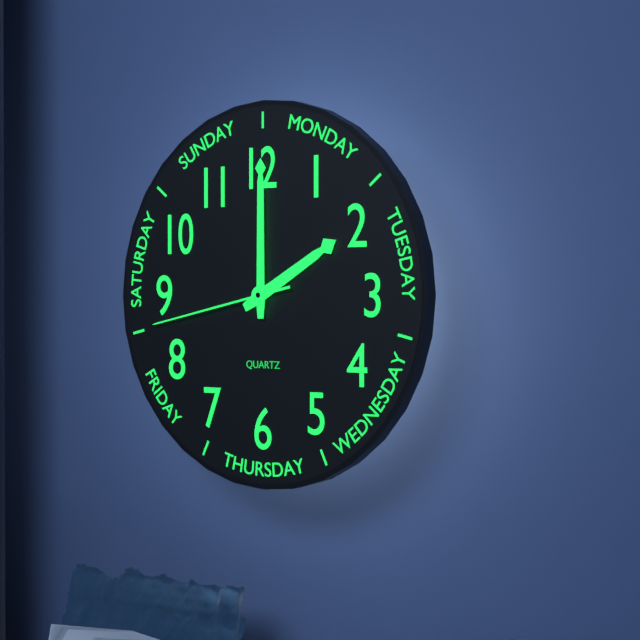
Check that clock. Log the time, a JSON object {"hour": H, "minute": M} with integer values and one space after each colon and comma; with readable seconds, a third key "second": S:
{"hour": 2, "minute": 0, "second": 43}
